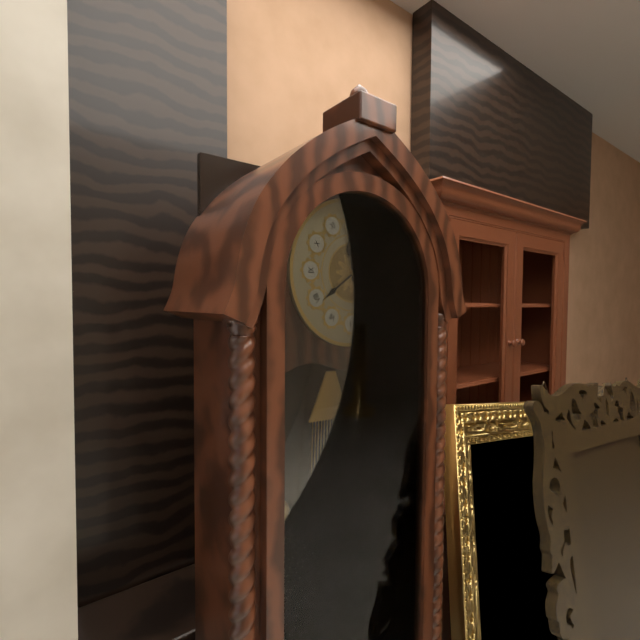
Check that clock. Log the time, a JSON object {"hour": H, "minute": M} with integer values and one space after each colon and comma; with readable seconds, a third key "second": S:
{"hour": 11, "minute": 39}
